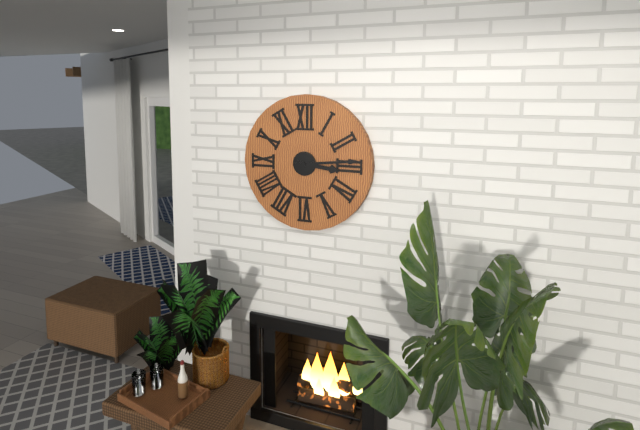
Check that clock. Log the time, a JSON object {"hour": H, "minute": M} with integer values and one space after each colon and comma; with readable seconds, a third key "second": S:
{"hour": 3, "minute": 14}
